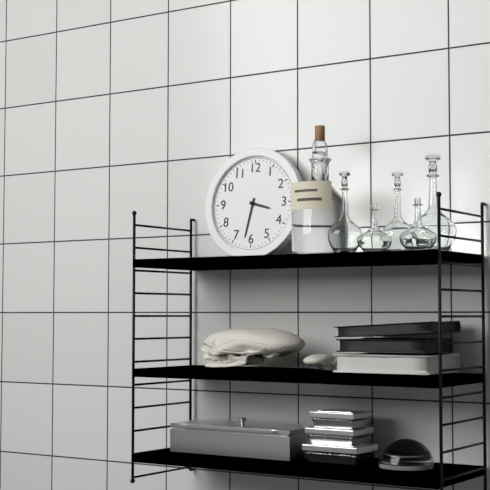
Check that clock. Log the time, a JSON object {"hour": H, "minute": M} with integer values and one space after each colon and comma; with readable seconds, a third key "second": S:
{"hour": 3, "minute": 32}
